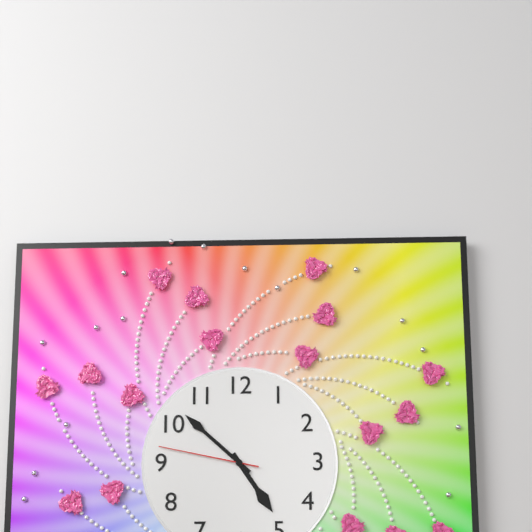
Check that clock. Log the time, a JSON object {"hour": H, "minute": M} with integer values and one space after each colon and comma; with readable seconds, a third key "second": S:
{"hour": 4, "minute": 52, "second": 47}
